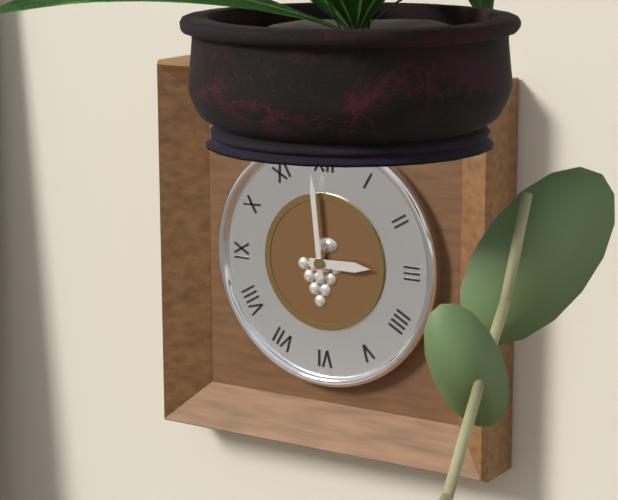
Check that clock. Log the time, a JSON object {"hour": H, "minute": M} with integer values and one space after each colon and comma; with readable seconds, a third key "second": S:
{"hour": 2, "minute": 59}
